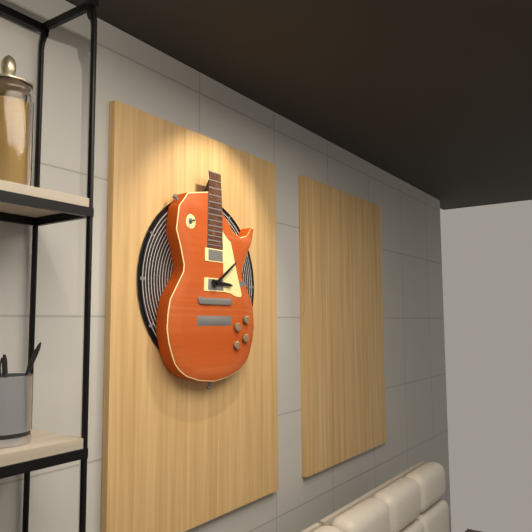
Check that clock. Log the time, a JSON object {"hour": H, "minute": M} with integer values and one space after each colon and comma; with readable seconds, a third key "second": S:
{"hour": 3, "minute": 9}
